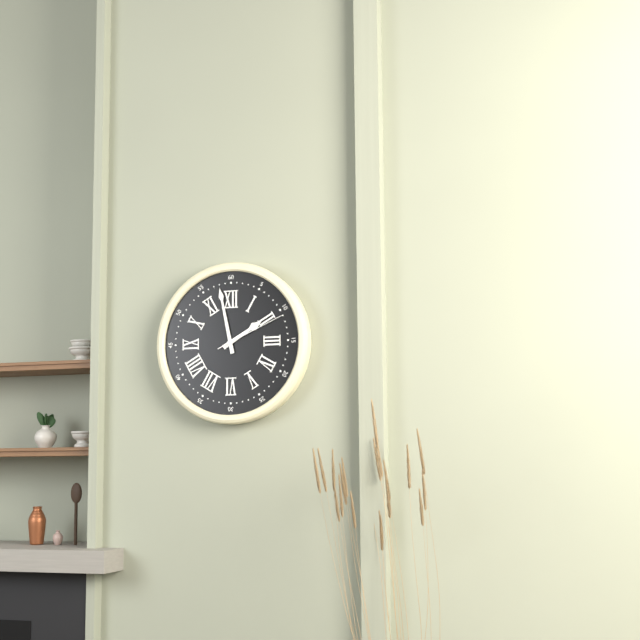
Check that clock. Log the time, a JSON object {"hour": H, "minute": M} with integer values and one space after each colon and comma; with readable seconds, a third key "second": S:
{"hour": 1, "minute": 58, "second": 11}
